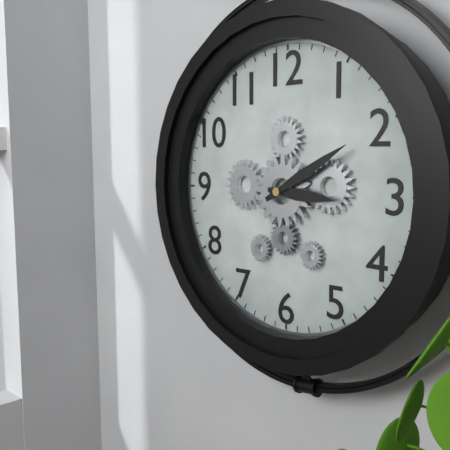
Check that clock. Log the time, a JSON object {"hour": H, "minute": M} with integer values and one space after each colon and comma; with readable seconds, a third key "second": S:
{"hour": 3, "minute": 10}
